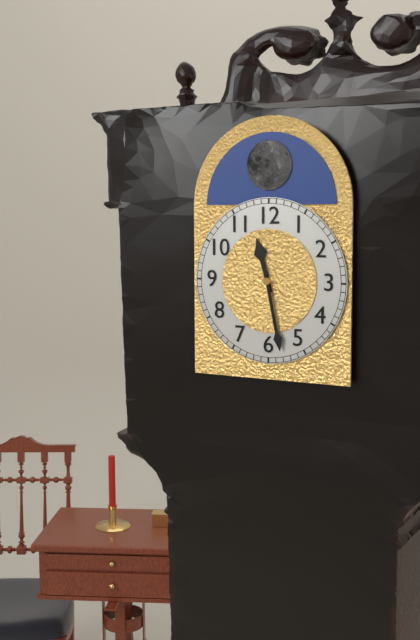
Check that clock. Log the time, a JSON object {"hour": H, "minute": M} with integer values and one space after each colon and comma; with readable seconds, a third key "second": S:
{"hour": 11, "minute": 28}
